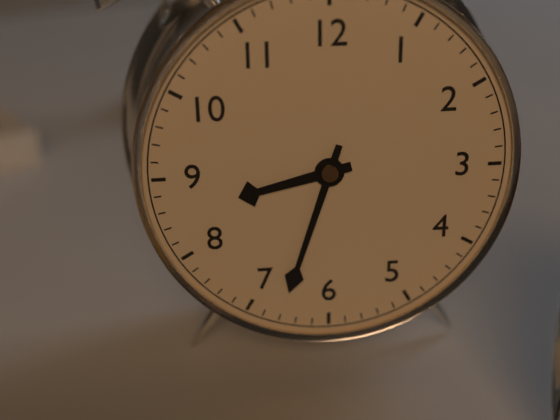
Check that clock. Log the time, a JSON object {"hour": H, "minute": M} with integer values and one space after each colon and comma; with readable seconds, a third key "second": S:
{"hour": 8, "minute": 33}
